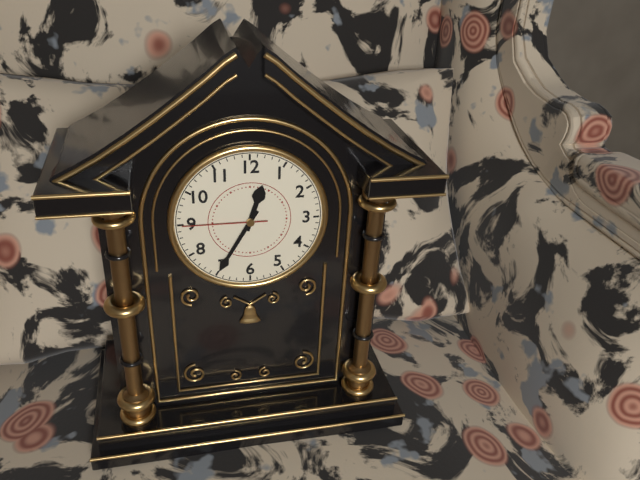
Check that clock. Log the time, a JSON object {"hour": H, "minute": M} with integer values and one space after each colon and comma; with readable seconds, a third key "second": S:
{"hour": 12, "minute": 35, "second": 45}
